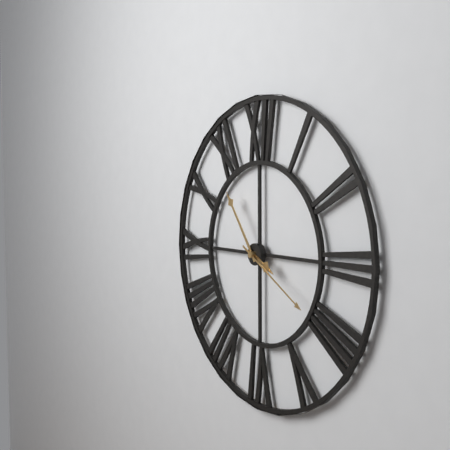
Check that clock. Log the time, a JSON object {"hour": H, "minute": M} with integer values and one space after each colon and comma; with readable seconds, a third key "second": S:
{"hour": 3, "minute": 54, "second": 20}
